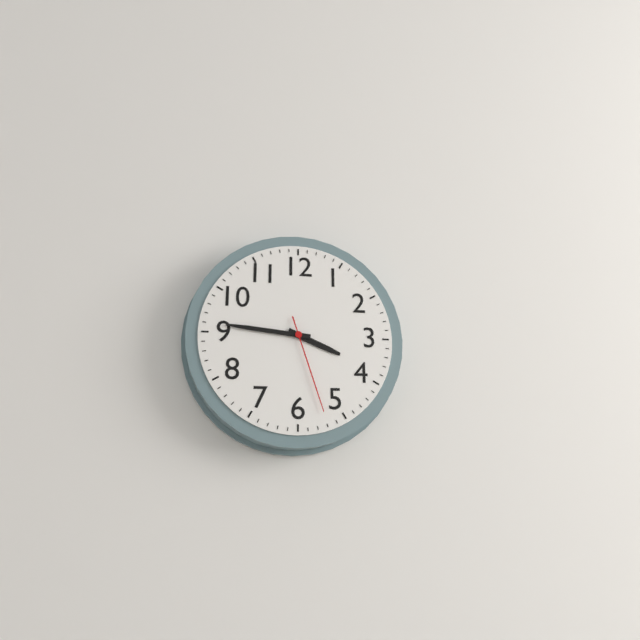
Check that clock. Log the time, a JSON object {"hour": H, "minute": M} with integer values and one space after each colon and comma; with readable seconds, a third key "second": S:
{"hour": 3, "minute": 46, "second": 27}
